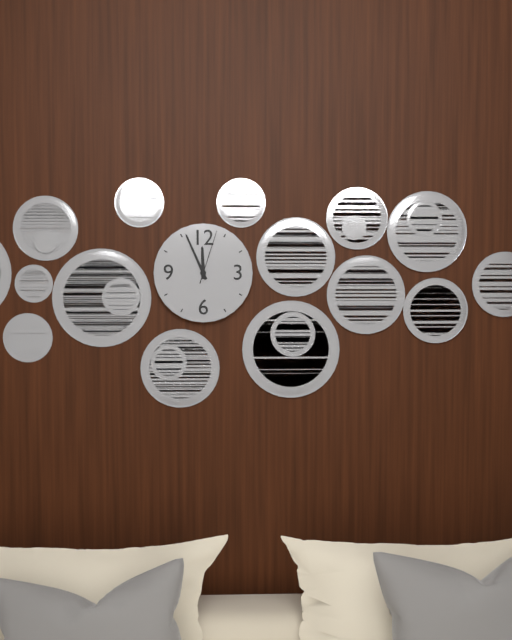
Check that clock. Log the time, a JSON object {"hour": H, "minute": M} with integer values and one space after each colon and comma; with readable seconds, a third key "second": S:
{"hour": 11, "minute": 56, "second": 3}
